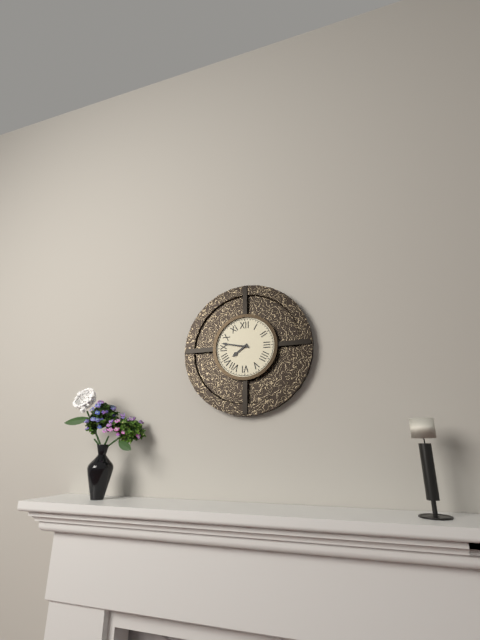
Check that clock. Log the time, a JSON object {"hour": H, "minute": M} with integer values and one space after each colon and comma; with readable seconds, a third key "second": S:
{"hour": 7, "minute": 47}
